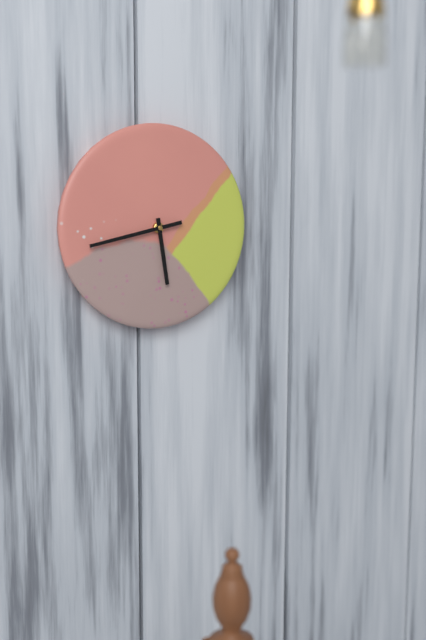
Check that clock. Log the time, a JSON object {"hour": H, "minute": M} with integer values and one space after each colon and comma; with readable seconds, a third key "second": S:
{"hour": 5, "minute": 43}
